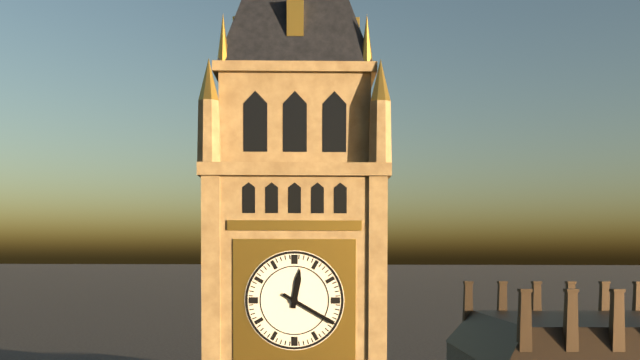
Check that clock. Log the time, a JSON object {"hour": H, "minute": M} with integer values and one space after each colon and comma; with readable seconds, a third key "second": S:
{"hour": 12, "minute": 20}
